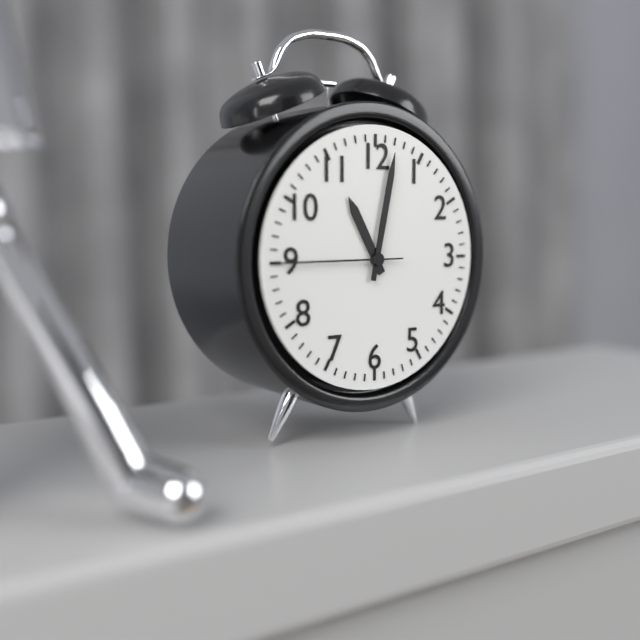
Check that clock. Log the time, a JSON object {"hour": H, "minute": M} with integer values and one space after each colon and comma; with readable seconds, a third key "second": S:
{"hour": 11, "minute": 2, "second": 45}
